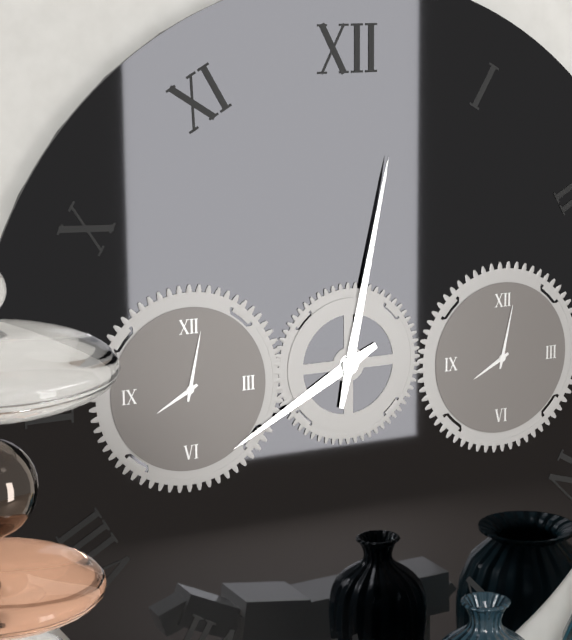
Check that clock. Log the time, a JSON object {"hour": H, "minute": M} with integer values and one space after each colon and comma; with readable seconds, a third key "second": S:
{"hour": 8, "minute": 2}
